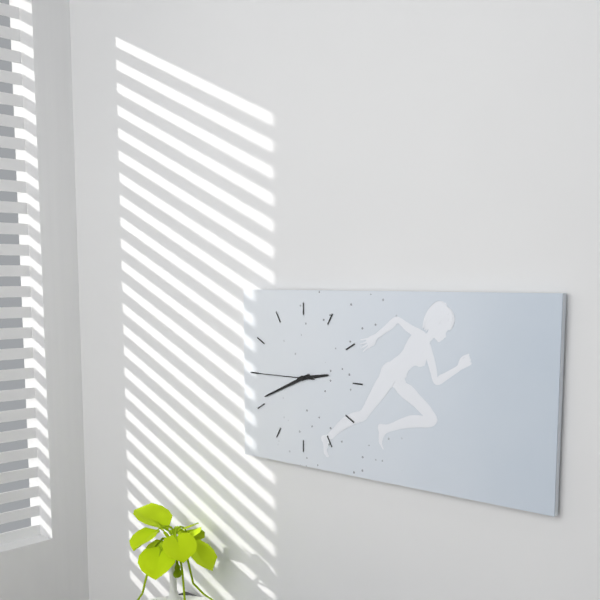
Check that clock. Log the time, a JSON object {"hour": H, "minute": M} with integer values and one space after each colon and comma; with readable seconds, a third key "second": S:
{"hour": 2, "minute": 41, "second": 45}
